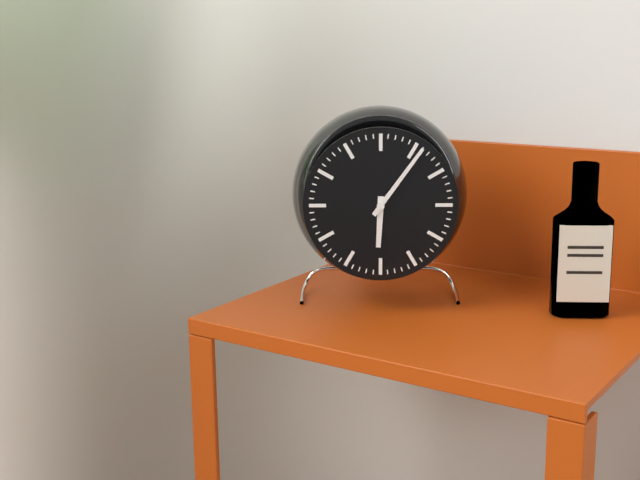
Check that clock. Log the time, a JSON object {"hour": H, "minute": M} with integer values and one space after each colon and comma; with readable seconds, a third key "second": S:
{"hour": 6, "minute": 6}
